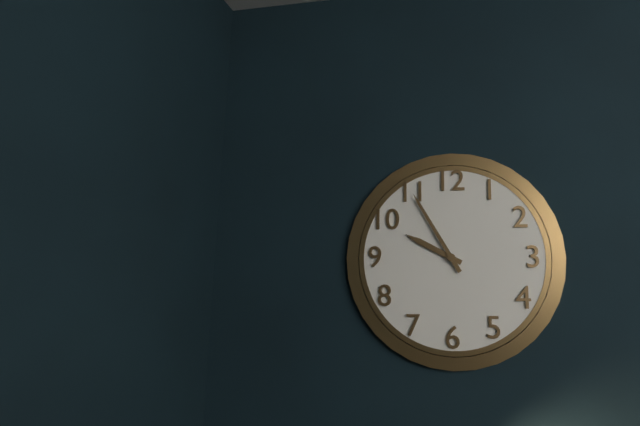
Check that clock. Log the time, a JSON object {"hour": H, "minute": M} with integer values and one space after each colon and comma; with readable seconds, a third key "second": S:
{"hour": 9, "minute": 55}
